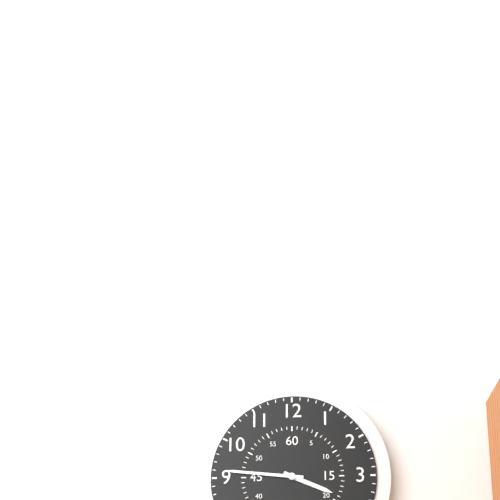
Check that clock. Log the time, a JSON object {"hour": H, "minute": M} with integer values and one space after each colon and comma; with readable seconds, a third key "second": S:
{"hour": 3, "minute": 46}
